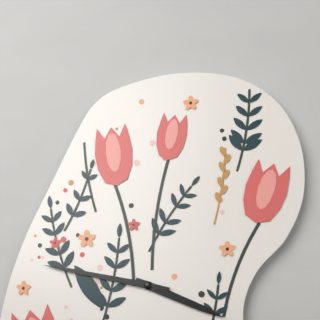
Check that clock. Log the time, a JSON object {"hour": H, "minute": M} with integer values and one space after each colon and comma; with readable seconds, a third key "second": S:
{"hour": 3, "minute": 47}
